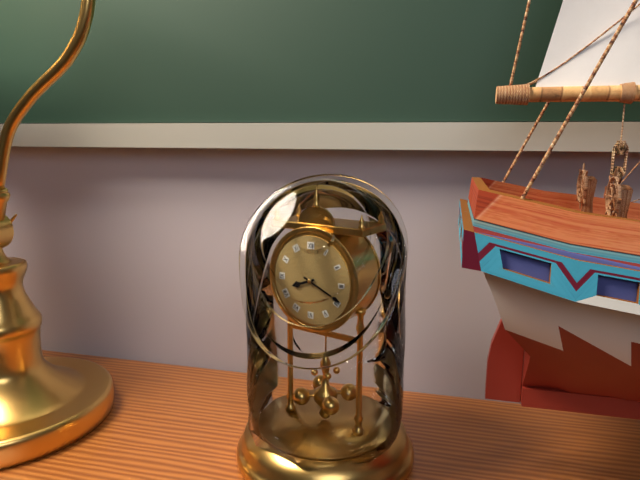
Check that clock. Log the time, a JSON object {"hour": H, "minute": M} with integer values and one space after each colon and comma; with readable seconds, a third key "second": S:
{"hour": 8, "minute": 19}
